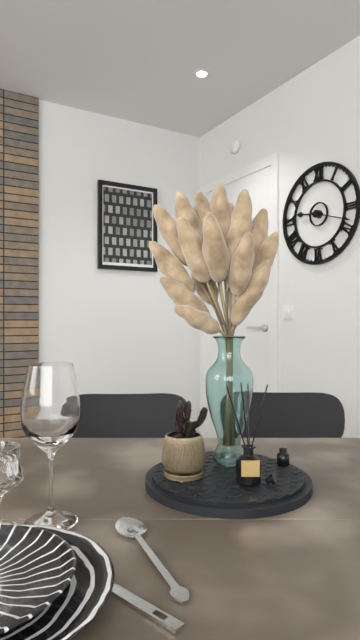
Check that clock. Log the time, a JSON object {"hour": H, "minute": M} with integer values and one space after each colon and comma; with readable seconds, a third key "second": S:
{"hour": 9, "minute": 18}
